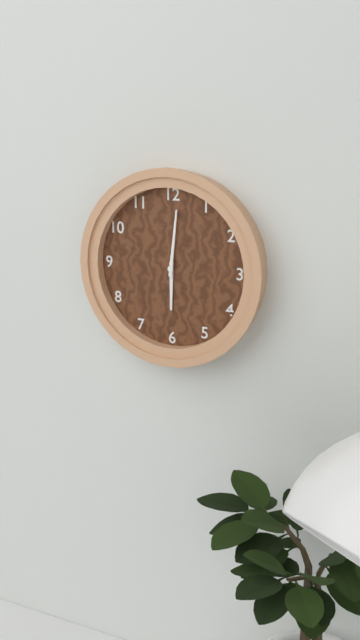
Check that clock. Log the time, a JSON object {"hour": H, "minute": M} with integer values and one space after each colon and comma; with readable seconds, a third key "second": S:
{"hour": 6, "minute": 1}
